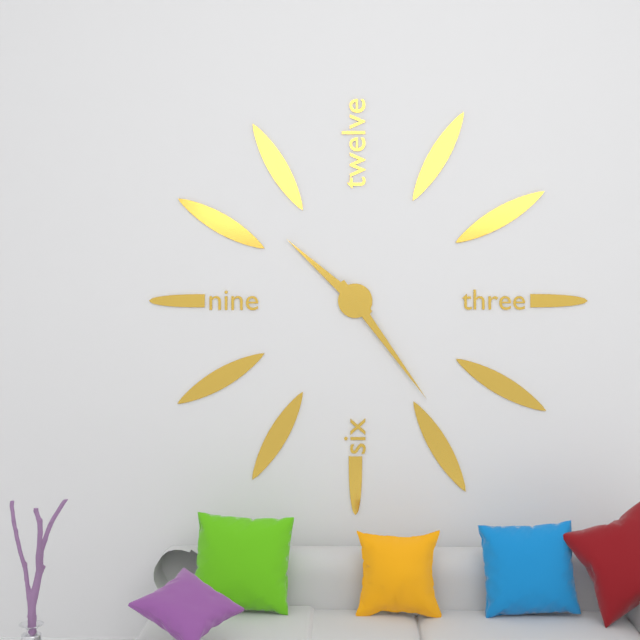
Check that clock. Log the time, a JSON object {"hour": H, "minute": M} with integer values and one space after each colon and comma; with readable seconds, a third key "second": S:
{"hour": 10, "minute": 24}
